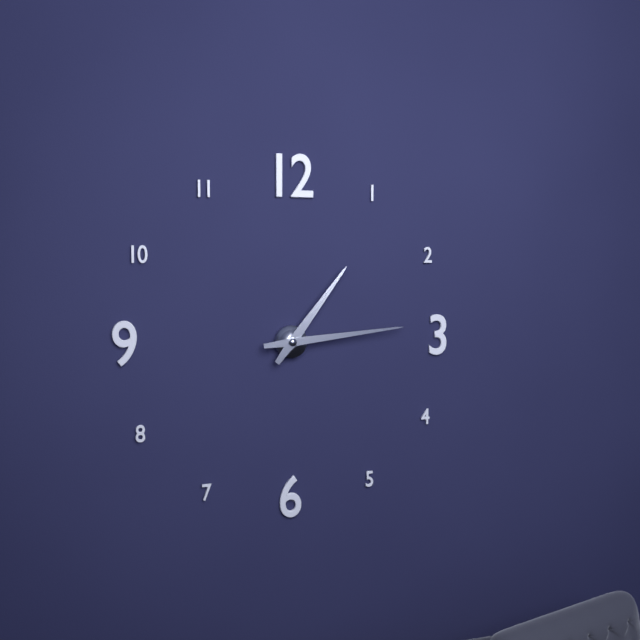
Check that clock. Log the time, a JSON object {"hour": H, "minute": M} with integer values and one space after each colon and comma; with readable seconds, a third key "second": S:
{"hour": 1, "minute": 14}
